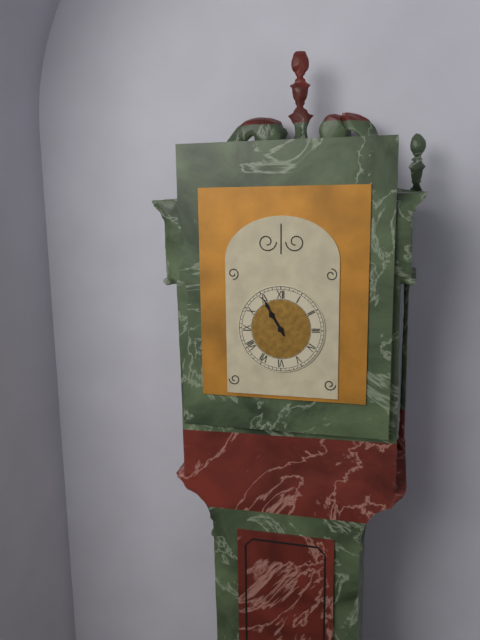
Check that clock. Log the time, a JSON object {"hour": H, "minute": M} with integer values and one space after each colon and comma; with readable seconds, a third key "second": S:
{"hour": 10, "minute": 55}
